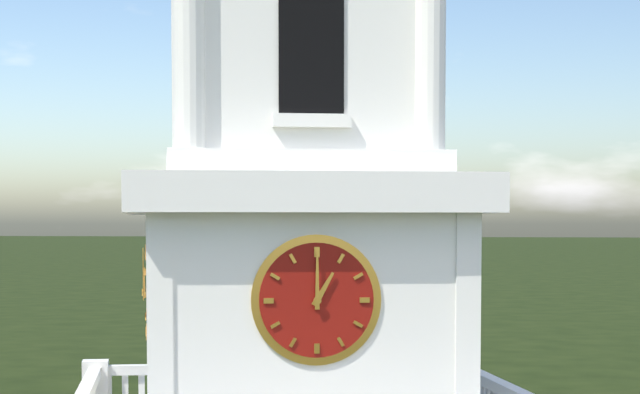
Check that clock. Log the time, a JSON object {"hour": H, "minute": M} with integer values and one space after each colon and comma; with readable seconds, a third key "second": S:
{"hour": 1, "minute": 0}
